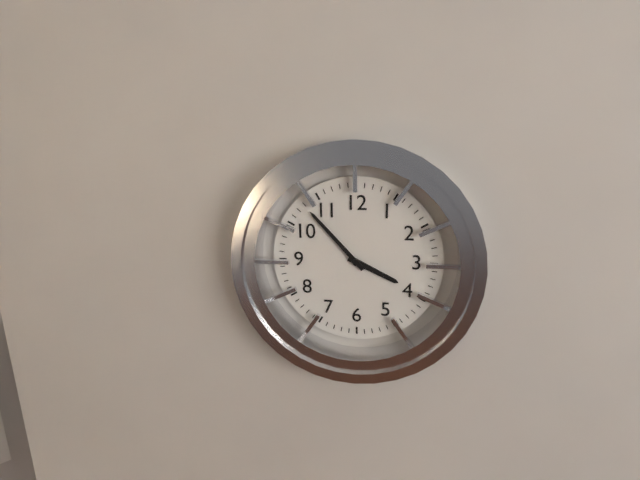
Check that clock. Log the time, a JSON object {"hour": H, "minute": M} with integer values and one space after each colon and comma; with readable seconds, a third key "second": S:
{"hour": 3, "minute": 53}
